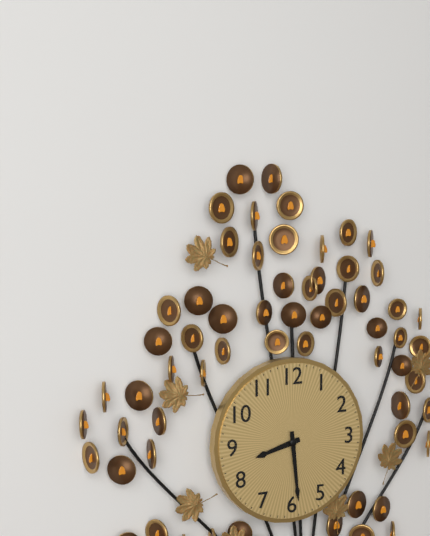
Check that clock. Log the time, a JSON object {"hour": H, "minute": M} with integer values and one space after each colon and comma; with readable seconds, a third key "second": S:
{"hour": 8, "minute": 29}
